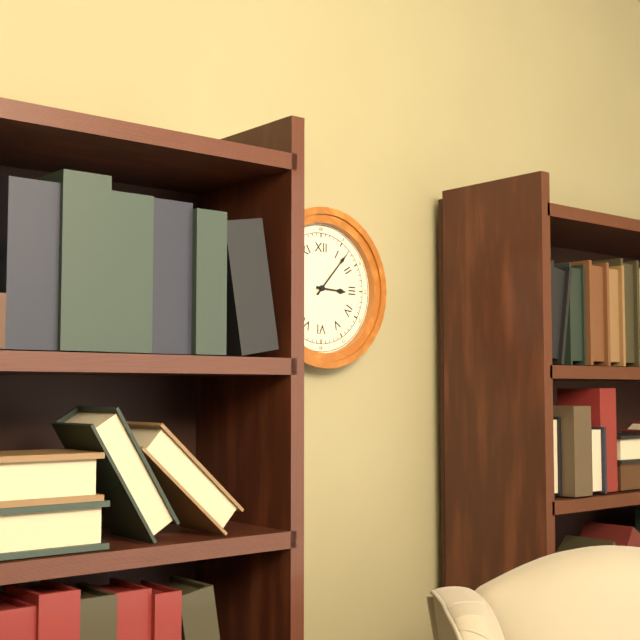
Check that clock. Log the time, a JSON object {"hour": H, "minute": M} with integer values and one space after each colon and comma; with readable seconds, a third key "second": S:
{"hour": 3, "minute": 7}
